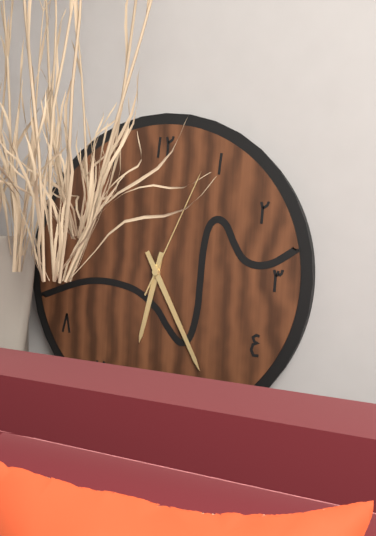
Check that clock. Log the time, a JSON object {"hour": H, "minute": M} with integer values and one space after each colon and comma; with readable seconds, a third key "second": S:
{"hour": 6, "minute": 25, "second": 4}
